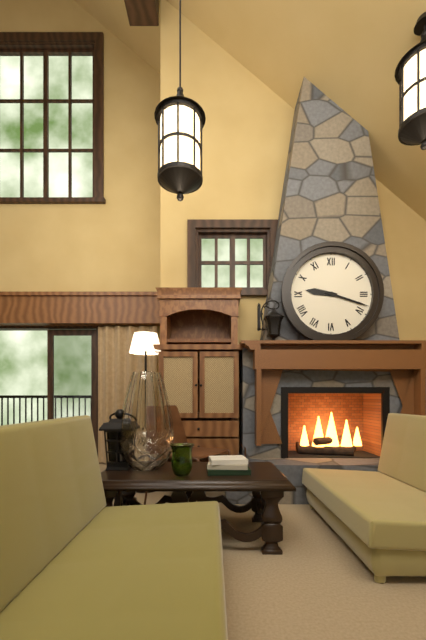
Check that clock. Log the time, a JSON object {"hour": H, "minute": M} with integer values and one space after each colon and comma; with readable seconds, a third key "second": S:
{"hour": 9, "minute": 18}
